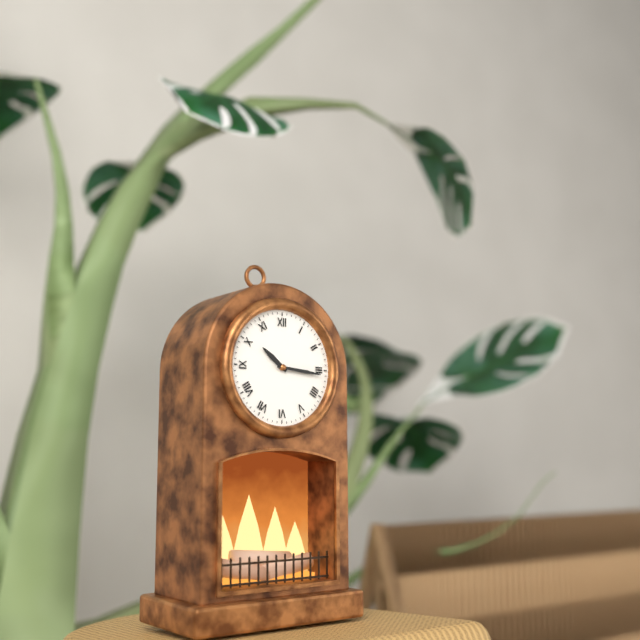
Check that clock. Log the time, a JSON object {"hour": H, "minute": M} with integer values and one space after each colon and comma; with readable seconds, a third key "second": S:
{"hour": 10, "minute": 16}
